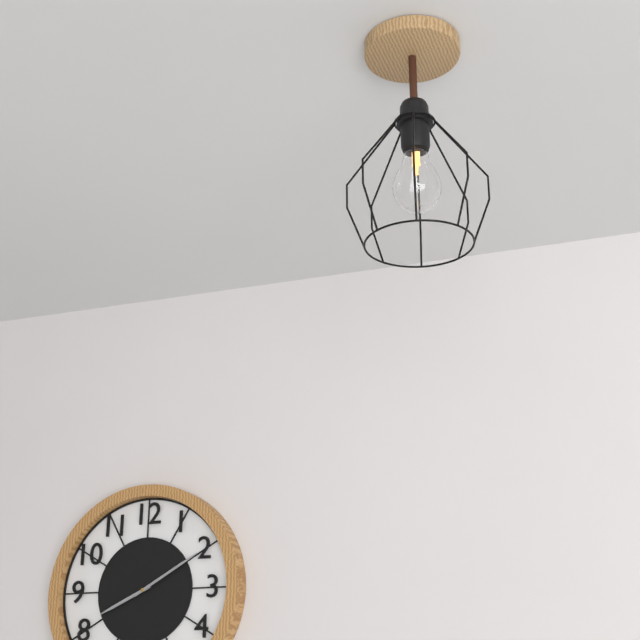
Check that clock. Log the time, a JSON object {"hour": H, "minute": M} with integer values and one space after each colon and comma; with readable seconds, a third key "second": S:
{"hour": 8, "minute": 10}
